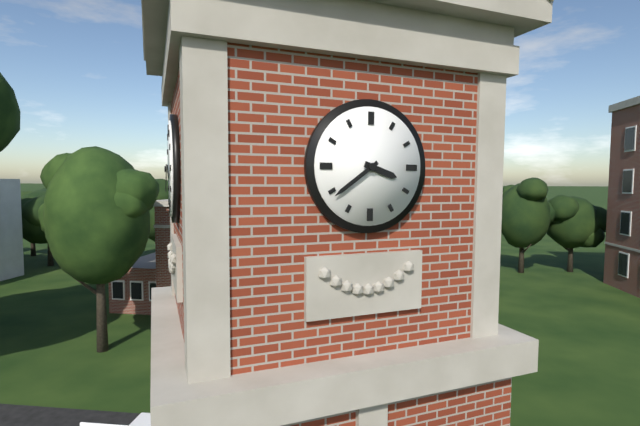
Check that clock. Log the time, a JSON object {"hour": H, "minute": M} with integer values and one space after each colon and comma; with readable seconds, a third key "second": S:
{"hour": 3, "minute": 39}
